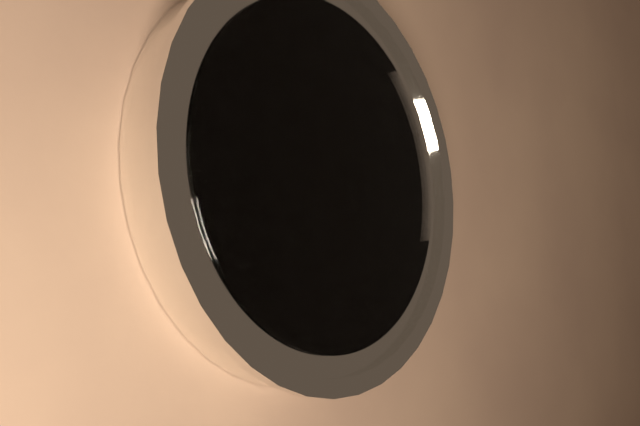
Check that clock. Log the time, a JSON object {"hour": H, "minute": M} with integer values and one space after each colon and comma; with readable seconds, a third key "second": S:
{"hour": 2, "minute": 30, "second": 26}
